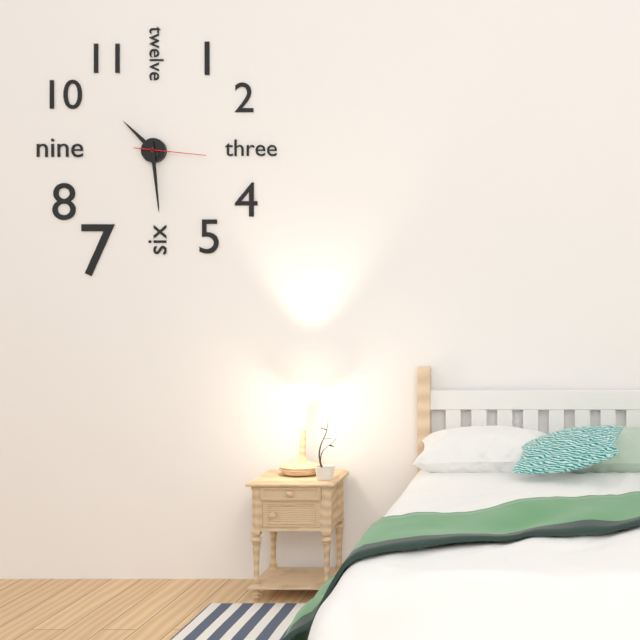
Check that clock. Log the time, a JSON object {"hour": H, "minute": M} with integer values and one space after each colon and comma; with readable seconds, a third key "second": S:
{"hour": 10, "minute": 29, "second": 16}
